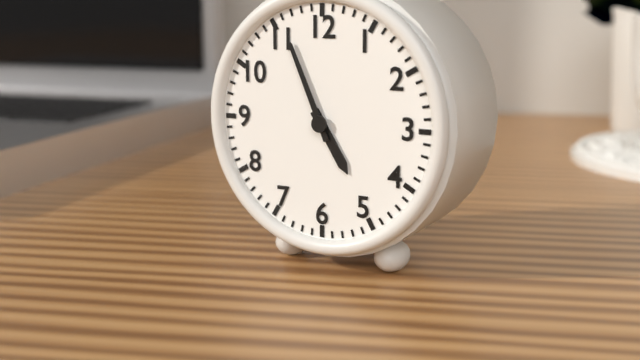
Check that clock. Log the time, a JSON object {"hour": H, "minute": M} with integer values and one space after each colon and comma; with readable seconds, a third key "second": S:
{"hour": 4, "minute": 56}
